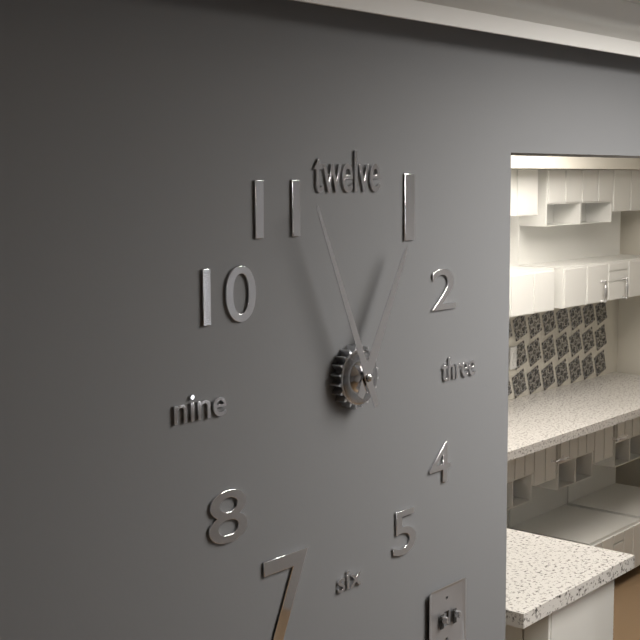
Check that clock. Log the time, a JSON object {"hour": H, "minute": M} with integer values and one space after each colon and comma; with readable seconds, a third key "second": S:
{"hour": 12, "minute": 56}
